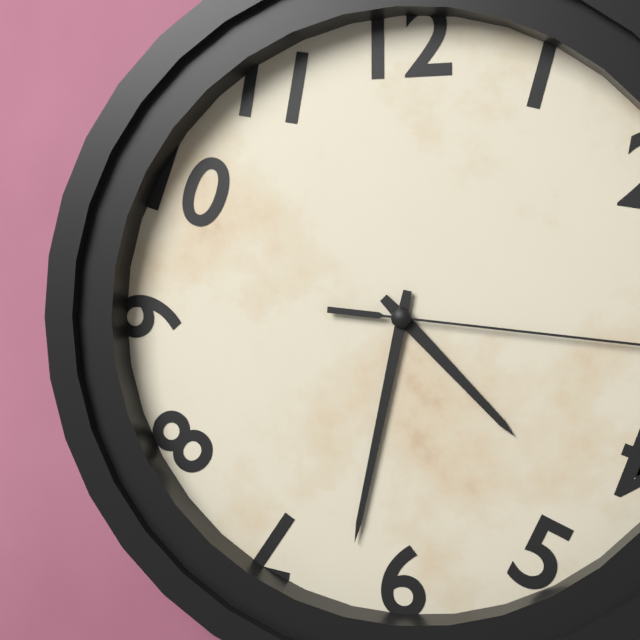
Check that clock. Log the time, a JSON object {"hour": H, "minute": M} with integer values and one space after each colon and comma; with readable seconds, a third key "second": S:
{"hour": 4, "minute": 32}
